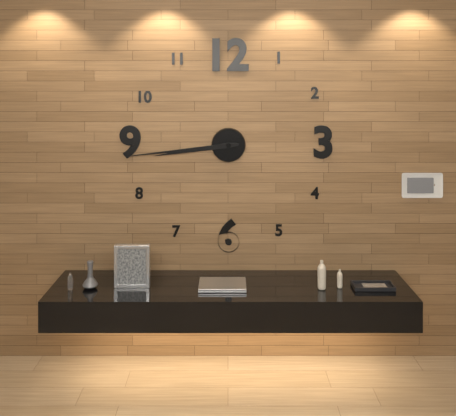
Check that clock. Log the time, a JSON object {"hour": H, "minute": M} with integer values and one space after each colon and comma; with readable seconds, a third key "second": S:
{"hour": 8, "minute": 44}
